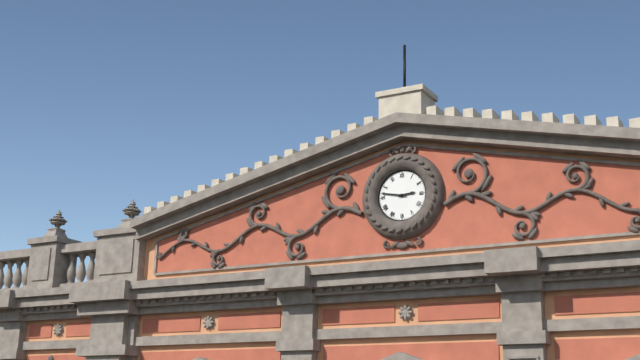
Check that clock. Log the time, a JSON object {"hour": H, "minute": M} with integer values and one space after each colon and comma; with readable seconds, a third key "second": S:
{"hour": 2, "minute": 47}
